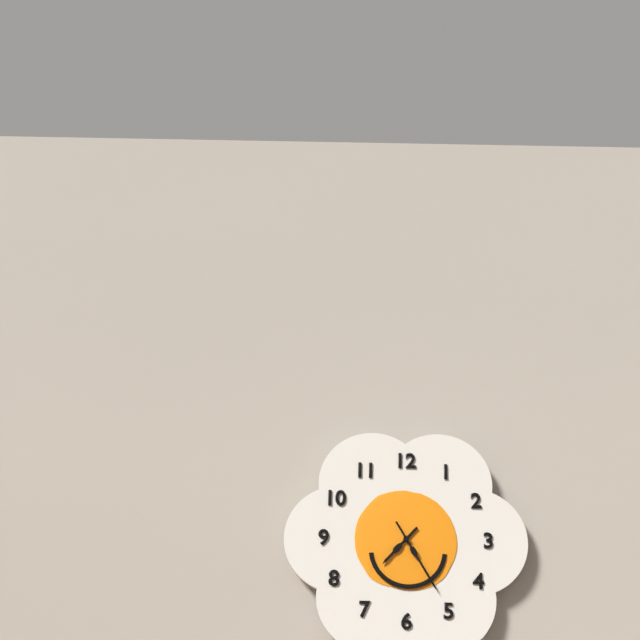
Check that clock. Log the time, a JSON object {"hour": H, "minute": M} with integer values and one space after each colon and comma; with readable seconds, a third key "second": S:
{"hour": 7, "minute": 25}
